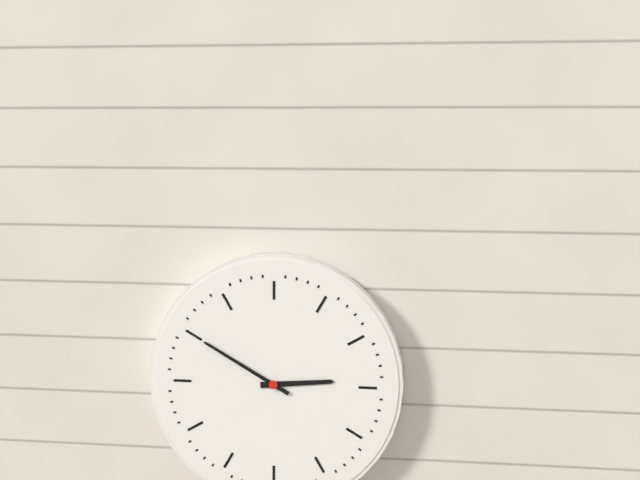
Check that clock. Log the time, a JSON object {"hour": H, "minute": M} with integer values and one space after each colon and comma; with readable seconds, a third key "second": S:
{"hour": 2, "minute": 50}
